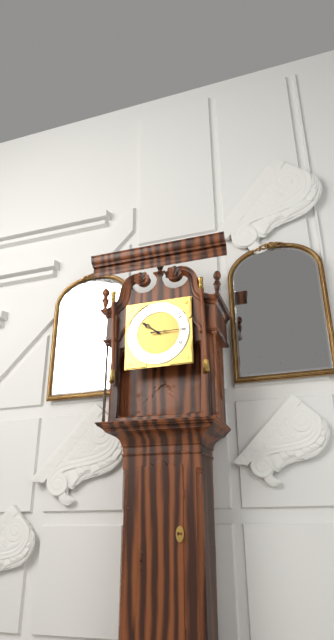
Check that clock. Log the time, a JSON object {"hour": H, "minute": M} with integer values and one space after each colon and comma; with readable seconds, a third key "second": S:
{"hour": 10, "minute": 15}
